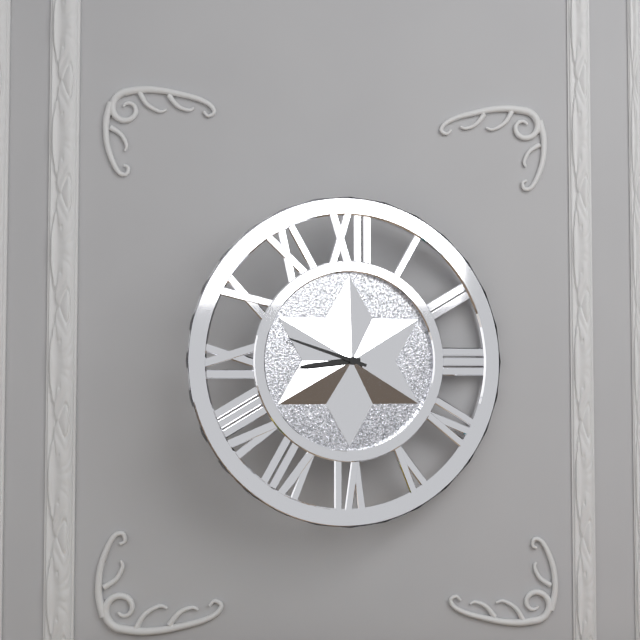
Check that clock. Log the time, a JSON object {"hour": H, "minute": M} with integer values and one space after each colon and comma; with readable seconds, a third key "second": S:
{"hour": 8, "minute": 48}
